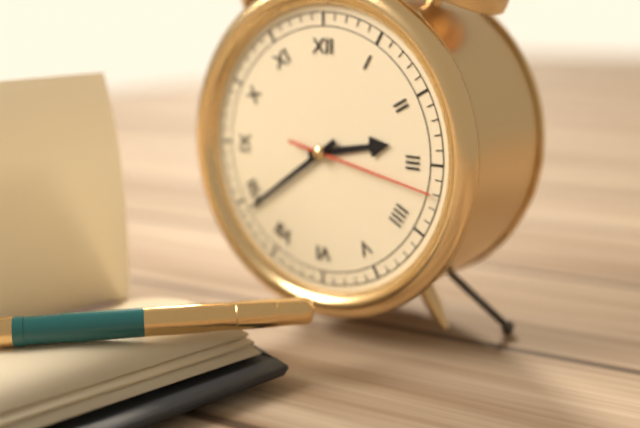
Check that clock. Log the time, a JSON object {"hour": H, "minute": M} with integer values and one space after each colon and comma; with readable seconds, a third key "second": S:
{"hour": 2, "minute": 39, "second": 17}
